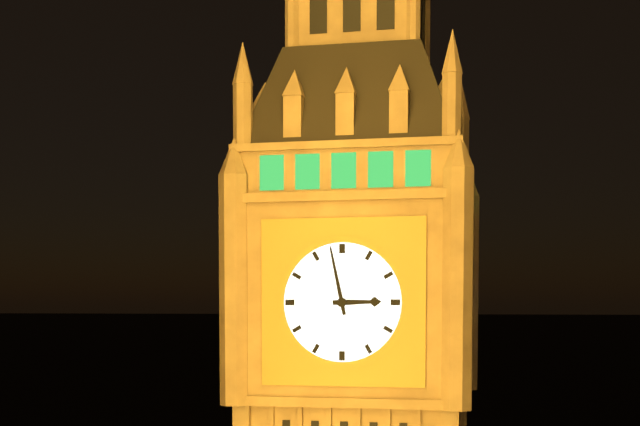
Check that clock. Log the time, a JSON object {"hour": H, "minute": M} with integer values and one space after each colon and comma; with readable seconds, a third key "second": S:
{"hour": 2, "minute": 58}
